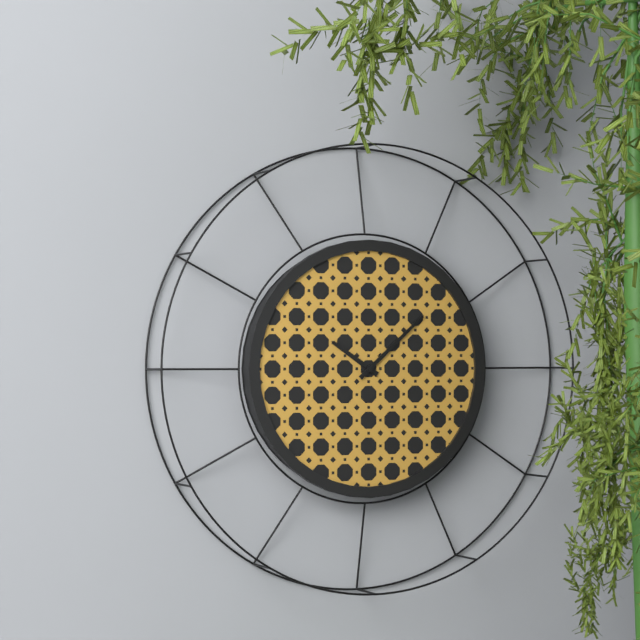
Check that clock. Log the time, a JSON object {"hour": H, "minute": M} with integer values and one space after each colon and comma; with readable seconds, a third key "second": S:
{"hour": 10, "minute": 8}
